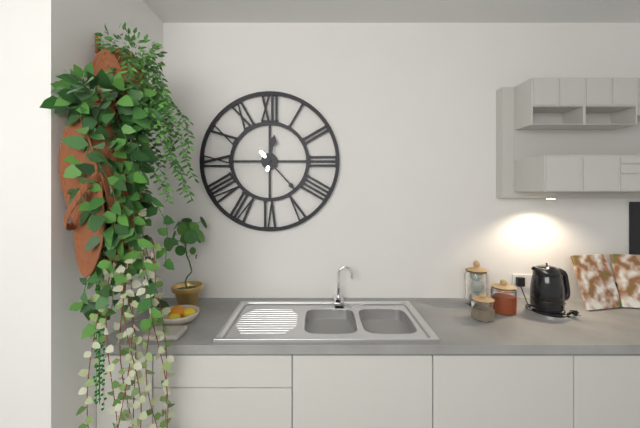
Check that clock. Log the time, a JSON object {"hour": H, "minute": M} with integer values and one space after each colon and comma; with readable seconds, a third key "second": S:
{"hour": 12, "minute": 23}
